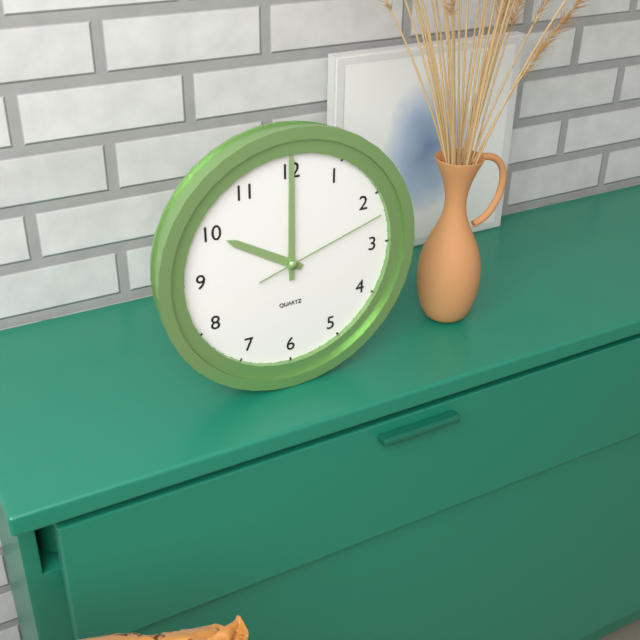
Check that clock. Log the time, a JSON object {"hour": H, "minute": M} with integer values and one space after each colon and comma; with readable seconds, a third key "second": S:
{"hour": 10, "minute": 0, "second": 12}
